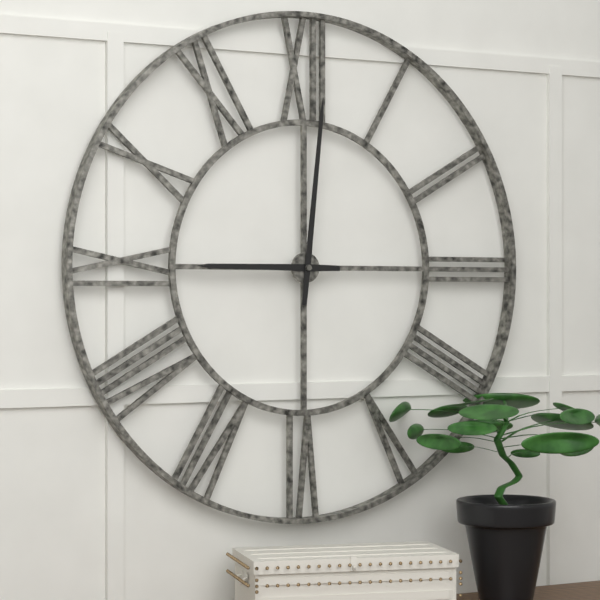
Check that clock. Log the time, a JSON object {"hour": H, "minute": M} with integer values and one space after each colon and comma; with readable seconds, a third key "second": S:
{"hour": 9, "minute": 1}
